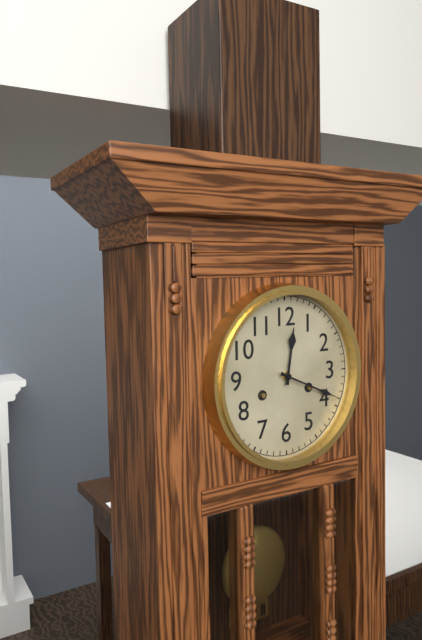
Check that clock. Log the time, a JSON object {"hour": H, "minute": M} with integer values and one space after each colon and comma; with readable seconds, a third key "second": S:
{"hour": 12, "minute": 19}
